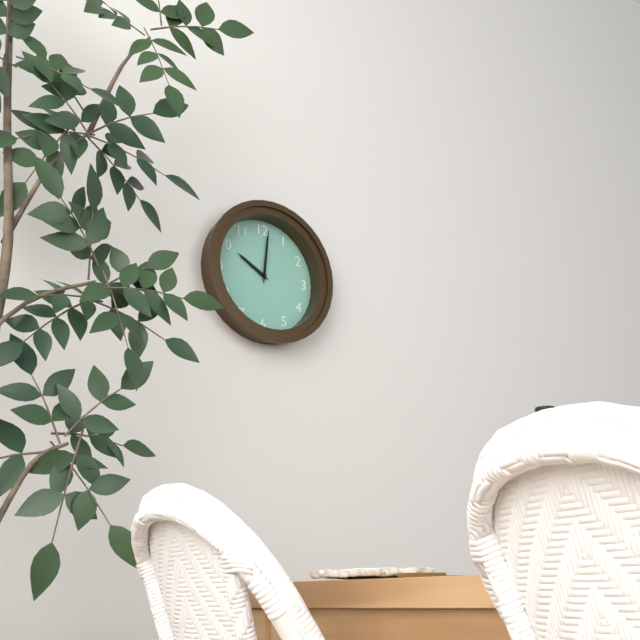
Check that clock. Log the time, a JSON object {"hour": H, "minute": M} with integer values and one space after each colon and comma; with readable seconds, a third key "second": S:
{"hour": 10, "minute": 1}
